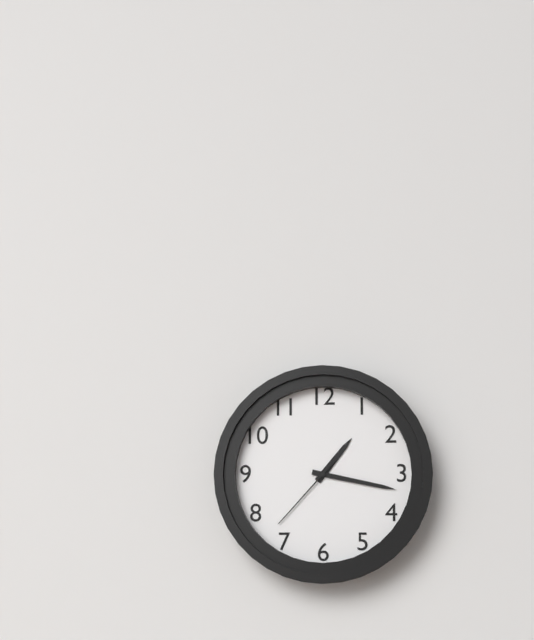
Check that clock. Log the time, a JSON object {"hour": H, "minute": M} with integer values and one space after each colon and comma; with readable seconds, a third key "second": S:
{"hour": 1, "minute": 17, "second": 37}
